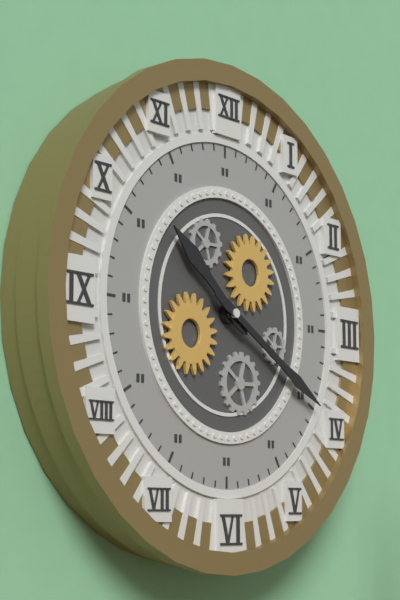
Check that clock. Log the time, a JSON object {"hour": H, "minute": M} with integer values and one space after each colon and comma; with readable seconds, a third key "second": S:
{"hour": 10, "minute": 20}
